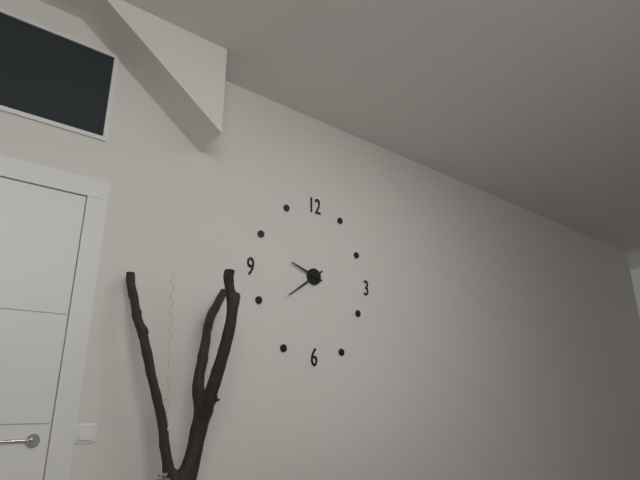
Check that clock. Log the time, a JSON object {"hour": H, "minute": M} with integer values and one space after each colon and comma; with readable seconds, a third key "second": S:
{"hour": 9, "minute": 39}
